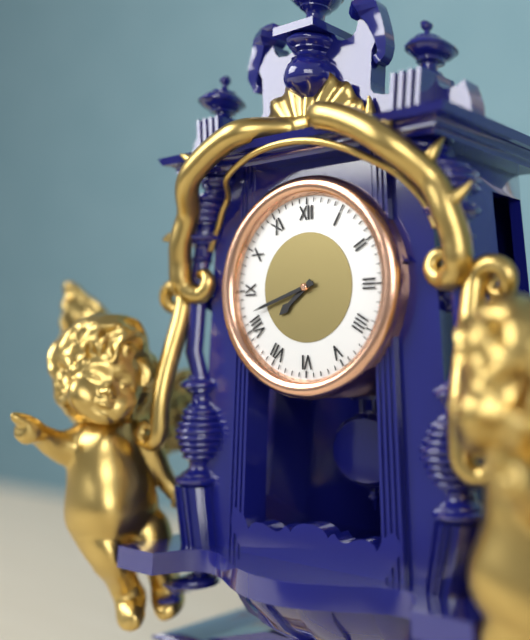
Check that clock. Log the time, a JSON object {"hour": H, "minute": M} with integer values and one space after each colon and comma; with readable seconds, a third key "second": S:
{"hour": 7, "minute": 42}
